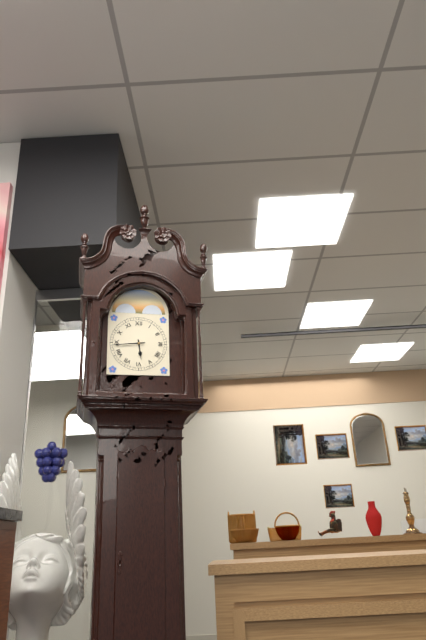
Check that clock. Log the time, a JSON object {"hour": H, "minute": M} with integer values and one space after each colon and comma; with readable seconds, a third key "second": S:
{"hour": 5, "minute": 44}
